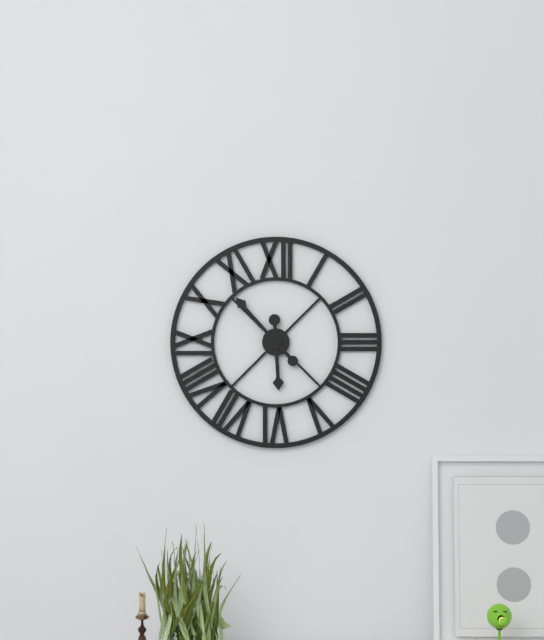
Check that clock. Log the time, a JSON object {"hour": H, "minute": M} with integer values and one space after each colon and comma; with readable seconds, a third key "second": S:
{"hour": 5, "minute": 53}
